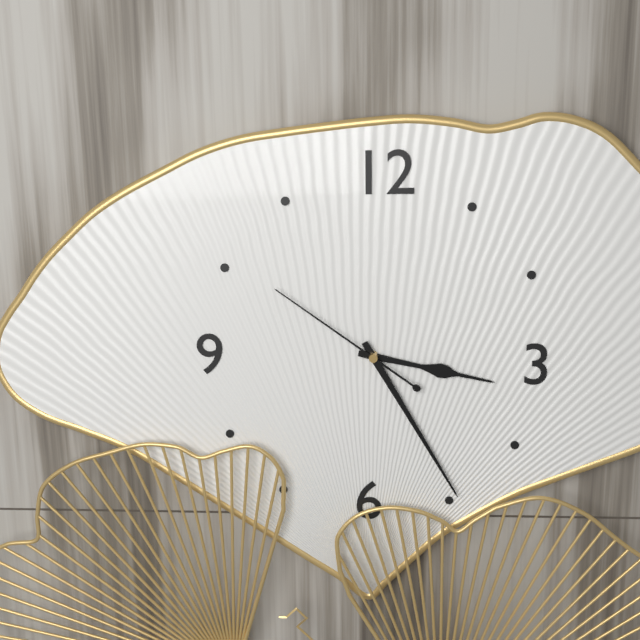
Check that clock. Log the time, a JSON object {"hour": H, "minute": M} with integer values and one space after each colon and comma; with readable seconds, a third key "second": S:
{"hour": 3, "minute": 25, "second": 51}
